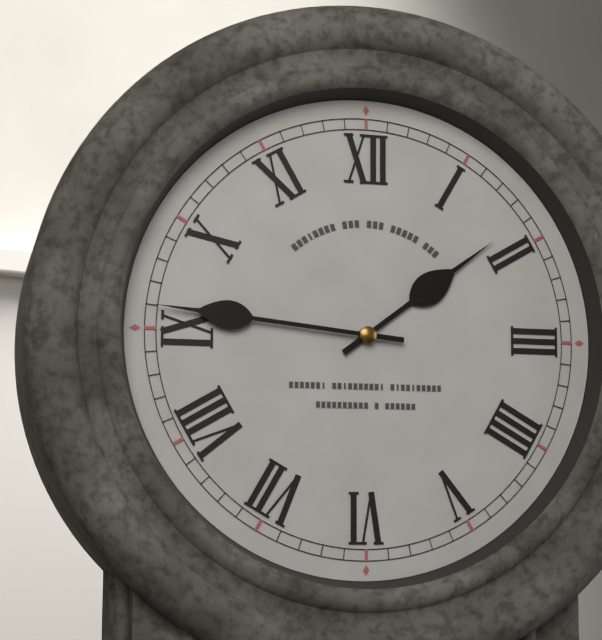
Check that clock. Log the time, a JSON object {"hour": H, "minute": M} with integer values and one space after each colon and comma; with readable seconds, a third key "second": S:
{"hour": 1, "minute": 46}
